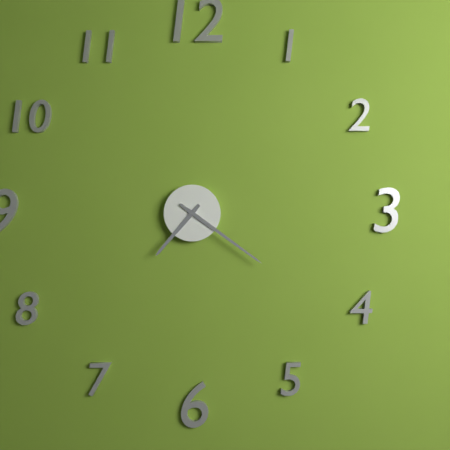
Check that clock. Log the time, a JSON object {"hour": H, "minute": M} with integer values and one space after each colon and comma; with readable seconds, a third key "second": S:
{"hour": 7, "minute": 21}
